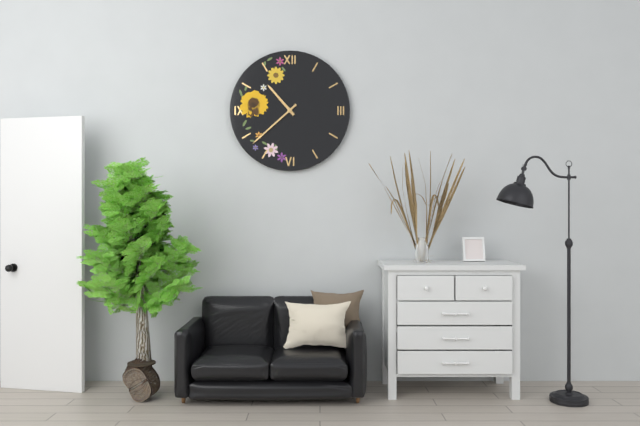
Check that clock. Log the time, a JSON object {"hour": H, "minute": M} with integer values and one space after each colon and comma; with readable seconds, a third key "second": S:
{"hour": 10, "minute": 38}
